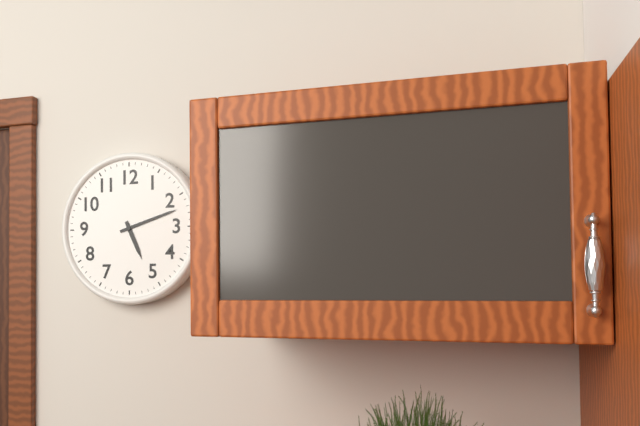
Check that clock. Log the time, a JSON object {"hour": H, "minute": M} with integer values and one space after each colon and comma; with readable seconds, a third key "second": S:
{"hour": 5, "minute": 12}
